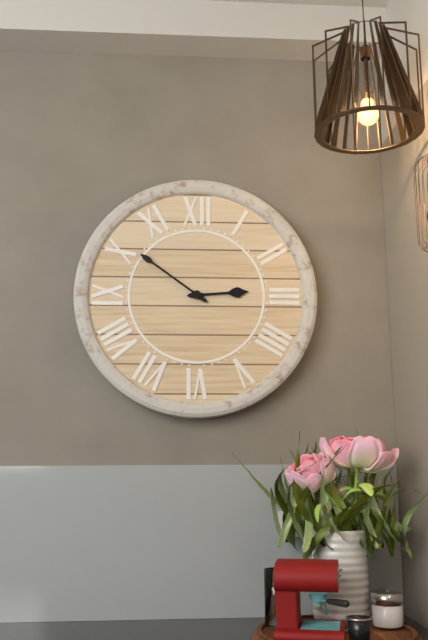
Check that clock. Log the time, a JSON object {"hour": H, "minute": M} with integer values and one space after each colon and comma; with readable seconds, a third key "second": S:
{"hour": 2, "minute": 51}
